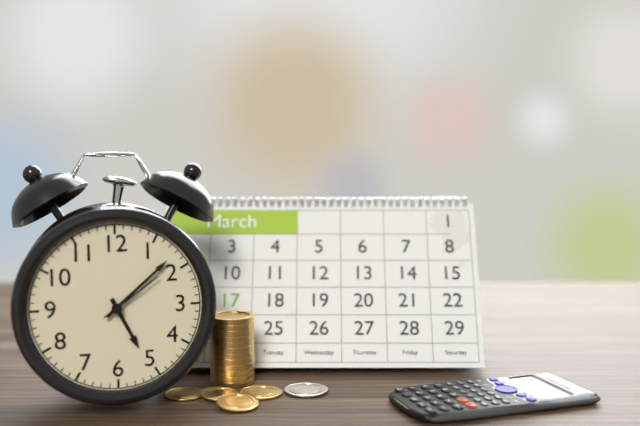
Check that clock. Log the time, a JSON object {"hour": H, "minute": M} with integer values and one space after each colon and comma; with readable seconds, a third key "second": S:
{"hour": 5, "minute": 8, "second": 9}
